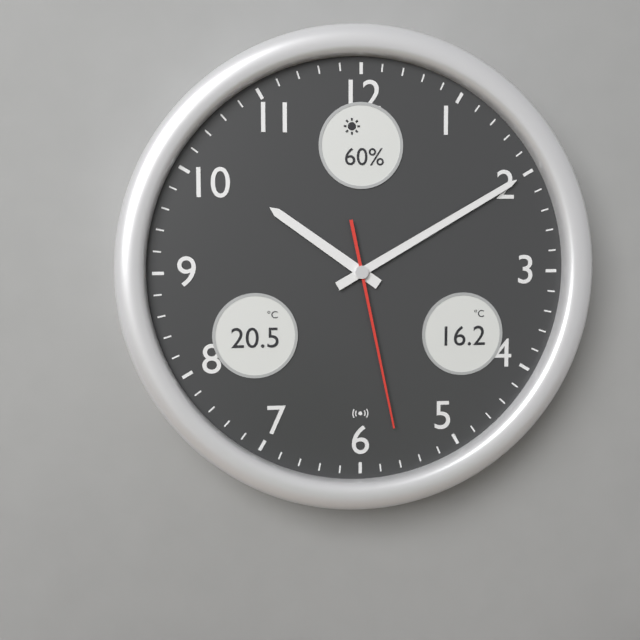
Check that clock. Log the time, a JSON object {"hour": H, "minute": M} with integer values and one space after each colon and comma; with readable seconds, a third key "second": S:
{"hour": 10, "minute": 10, "second": 28}
